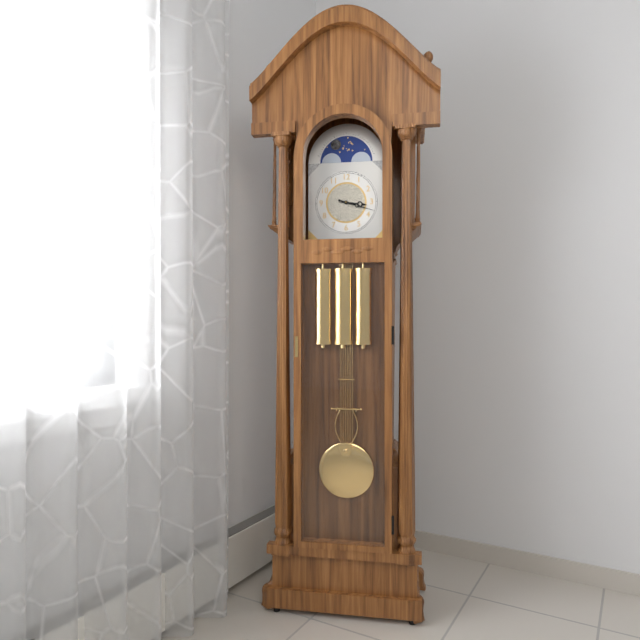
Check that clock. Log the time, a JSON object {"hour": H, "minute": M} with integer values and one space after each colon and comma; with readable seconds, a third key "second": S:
{"hour": 3, "minute": 18}
